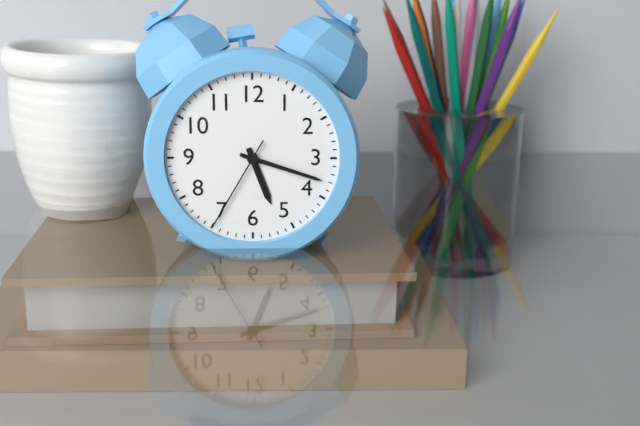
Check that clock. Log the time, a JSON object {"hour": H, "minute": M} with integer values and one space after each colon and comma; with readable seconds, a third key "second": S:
{"hour": 5, "minute": 18, "second": 35}
